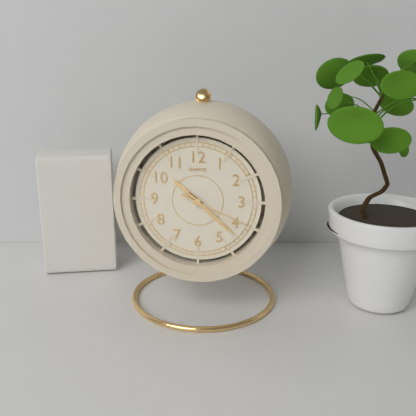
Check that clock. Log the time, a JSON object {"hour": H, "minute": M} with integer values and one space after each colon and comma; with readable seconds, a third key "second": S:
{"hour": 10, "minute": 22, "second": 19}
